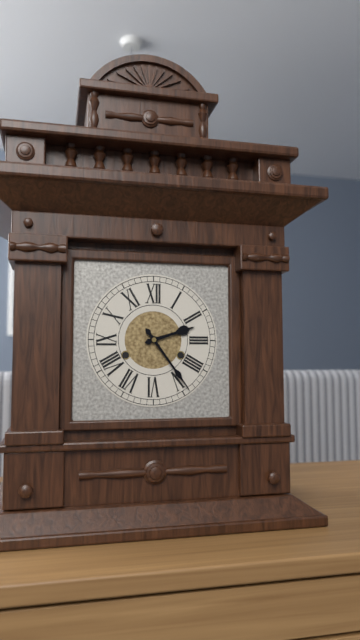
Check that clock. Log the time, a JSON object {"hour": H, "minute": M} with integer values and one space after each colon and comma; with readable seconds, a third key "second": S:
{"hour": 2, "minute": 24}
